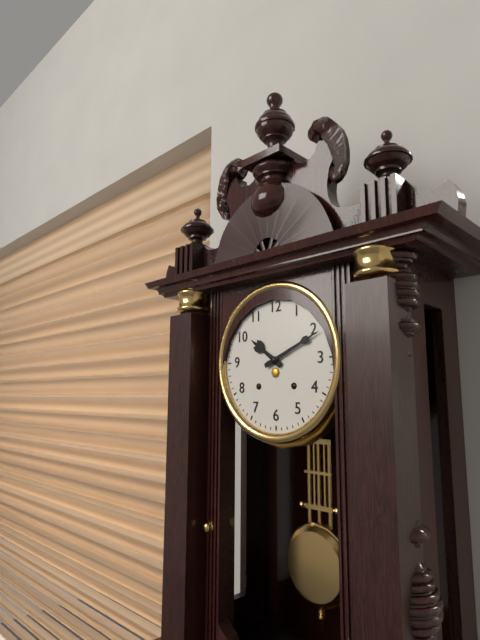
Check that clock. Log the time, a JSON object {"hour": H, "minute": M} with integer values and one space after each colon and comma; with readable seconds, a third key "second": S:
{"hour": 10, "minute": 11}
